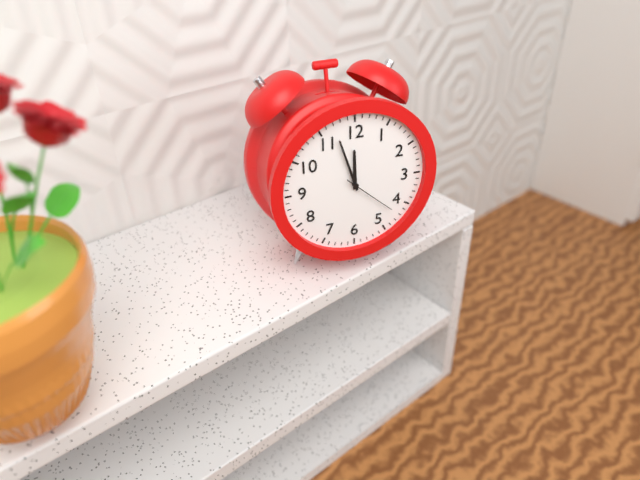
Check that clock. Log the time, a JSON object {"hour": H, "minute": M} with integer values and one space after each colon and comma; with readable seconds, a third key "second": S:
{"hour": 11, "minute": 57, "second": 22}
